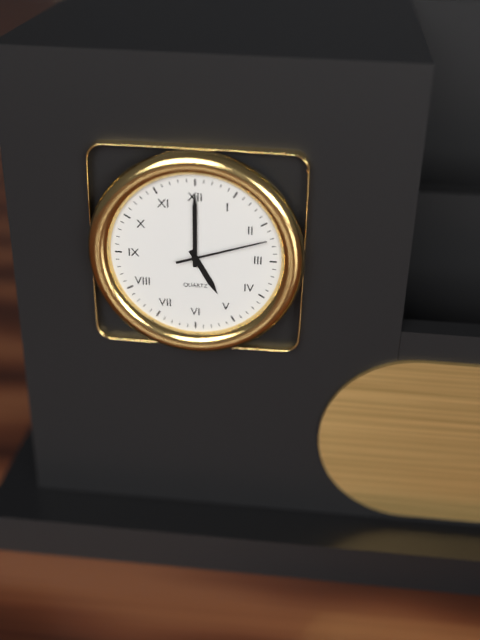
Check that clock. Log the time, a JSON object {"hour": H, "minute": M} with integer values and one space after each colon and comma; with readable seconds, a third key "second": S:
{"hour": 5, "minute": 0, "second": 12}
